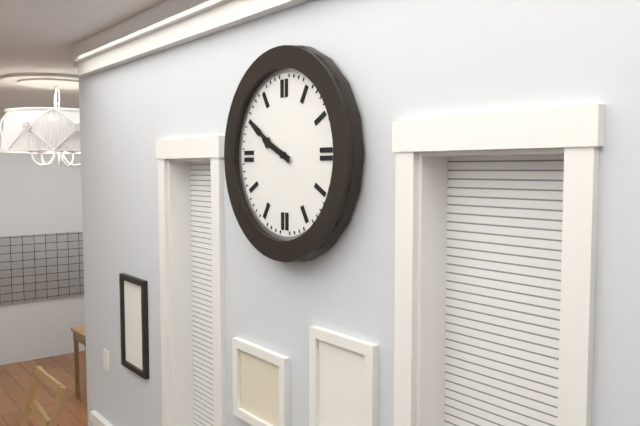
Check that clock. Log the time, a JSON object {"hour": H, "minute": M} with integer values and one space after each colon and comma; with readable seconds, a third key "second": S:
{"hour": 9, "minute": 50}
